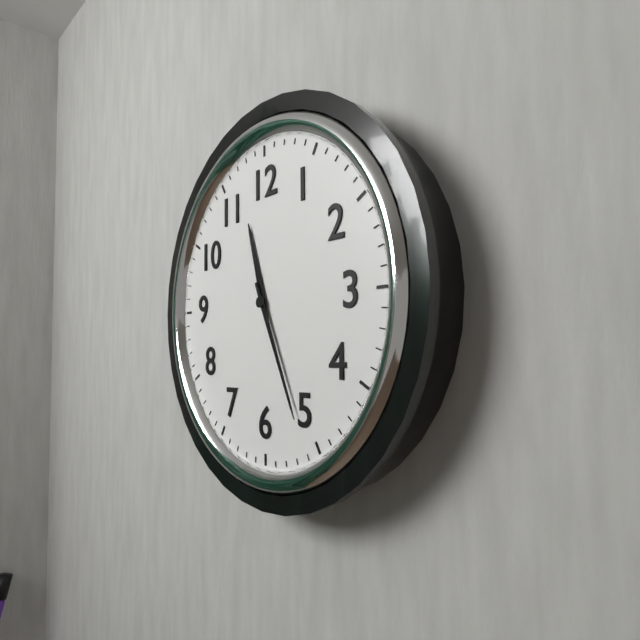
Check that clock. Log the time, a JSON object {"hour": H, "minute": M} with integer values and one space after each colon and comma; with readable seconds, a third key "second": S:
{"hour": 11, "minute": 26}
